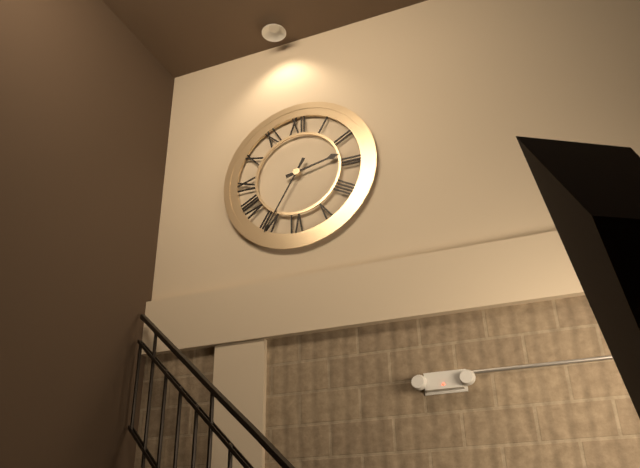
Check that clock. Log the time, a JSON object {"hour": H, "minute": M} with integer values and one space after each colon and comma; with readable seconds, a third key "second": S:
{"hour": 2, "minute": 35}
